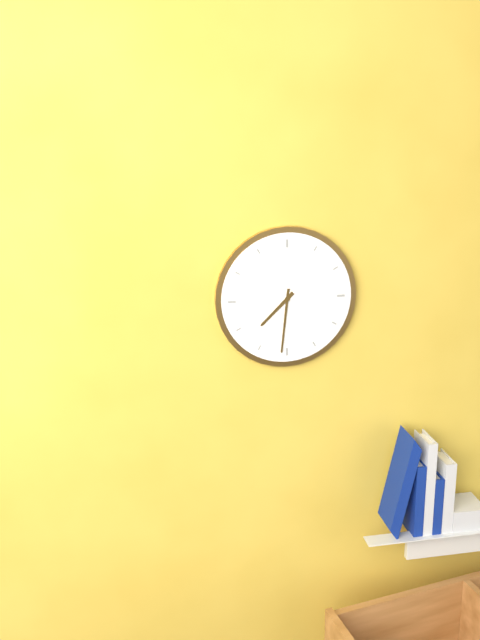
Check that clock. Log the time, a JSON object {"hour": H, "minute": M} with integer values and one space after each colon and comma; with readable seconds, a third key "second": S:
{"hour": 7, "minute": 31}
